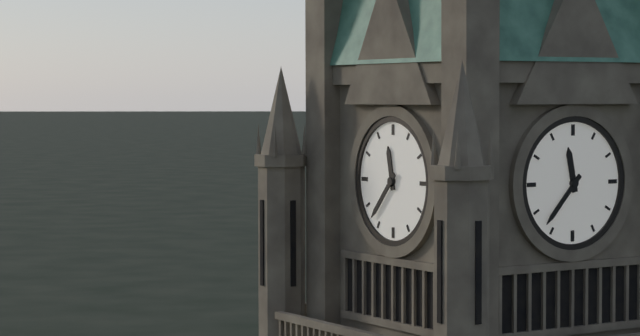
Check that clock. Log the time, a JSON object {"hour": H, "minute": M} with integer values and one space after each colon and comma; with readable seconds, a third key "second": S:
{"hour": 11, "minute": 37}
